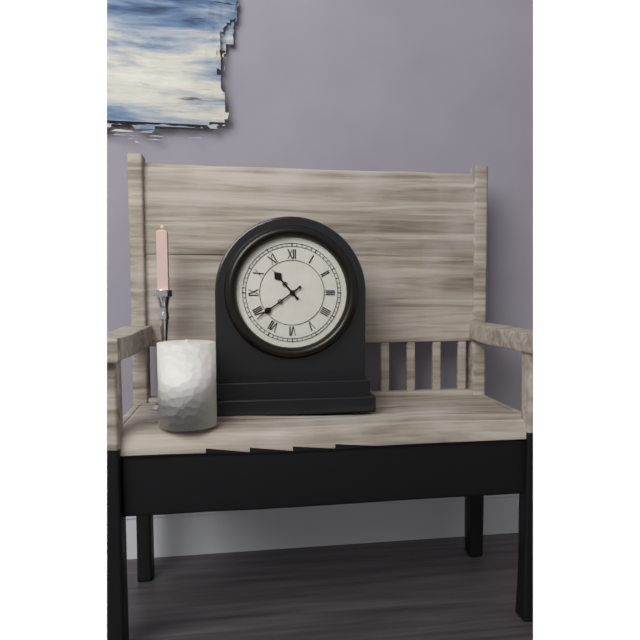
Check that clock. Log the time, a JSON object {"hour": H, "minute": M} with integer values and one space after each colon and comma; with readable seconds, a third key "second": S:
{"hour": 10, "minute": 39}
